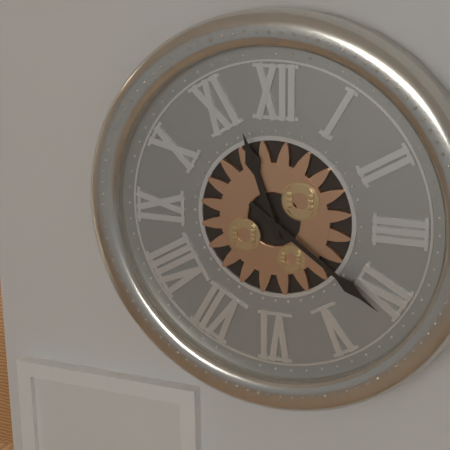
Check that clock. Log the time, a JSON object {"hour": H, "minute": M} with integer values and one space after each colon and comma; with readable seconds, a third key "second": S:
{"hour": 11, "minute": 21}
